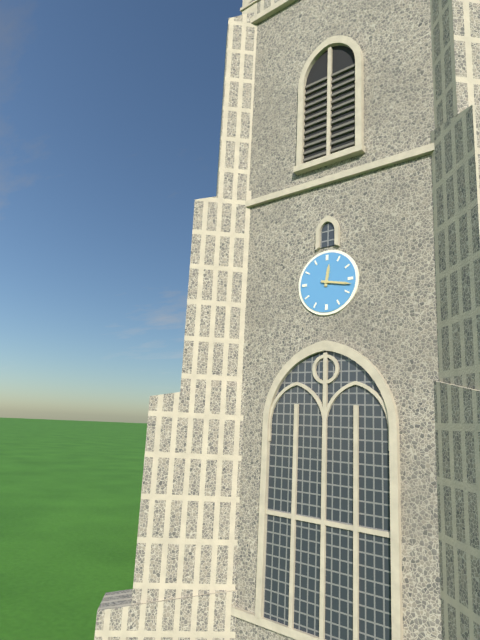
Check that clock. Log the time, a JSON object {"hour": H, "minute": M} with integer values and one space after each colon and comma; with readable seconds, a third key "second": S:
{"hour": 12, "minute": 17}
